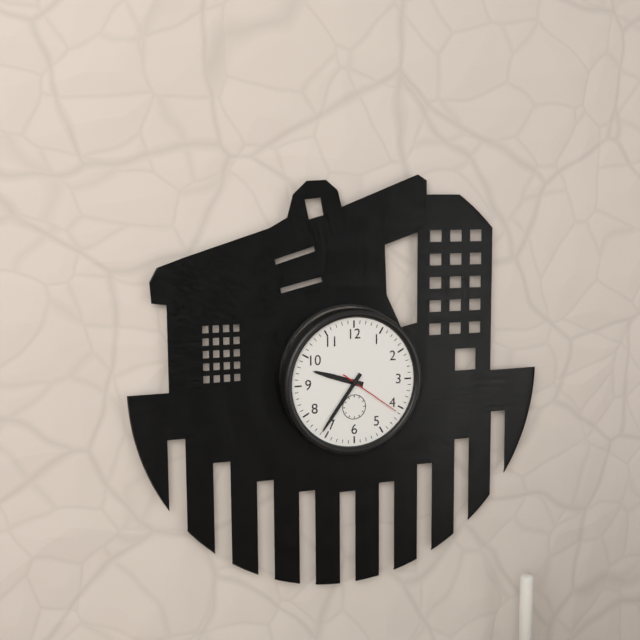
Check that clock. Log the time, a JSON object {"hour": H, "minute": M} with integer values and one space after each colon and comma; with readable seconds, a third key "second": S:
{"hour": 9, "minute": 36, "second": 21}
